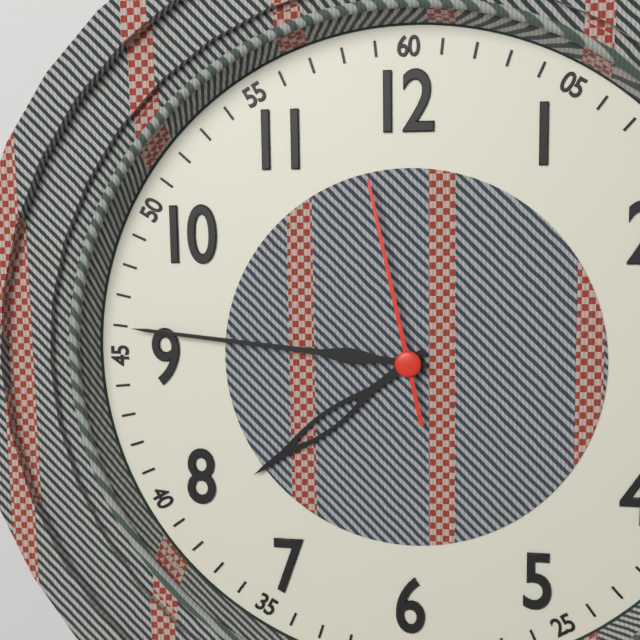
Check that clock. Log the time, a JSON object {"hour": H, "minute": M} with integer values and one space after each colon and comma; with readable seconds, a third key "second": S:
{"hour": 7, "minute": 46, "second": 58}
